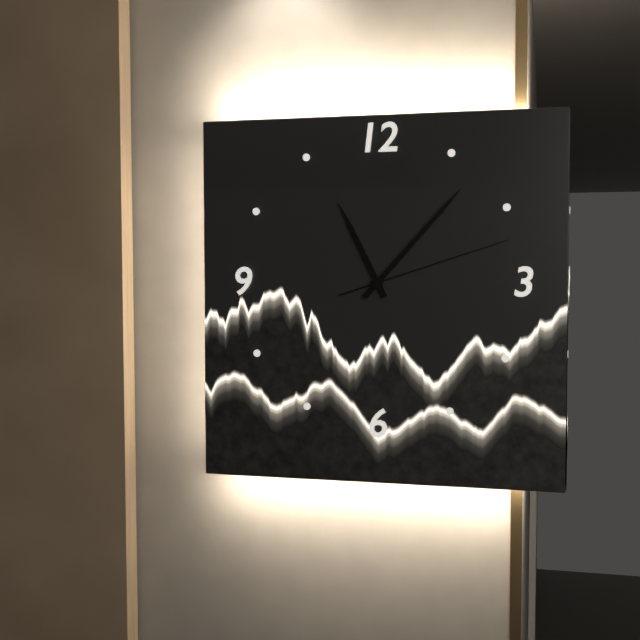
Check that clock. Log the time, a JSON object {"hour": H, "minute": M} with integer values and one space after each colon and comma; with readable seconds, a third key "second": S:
{"hour": 11, "minute": 7, "second": 12}
